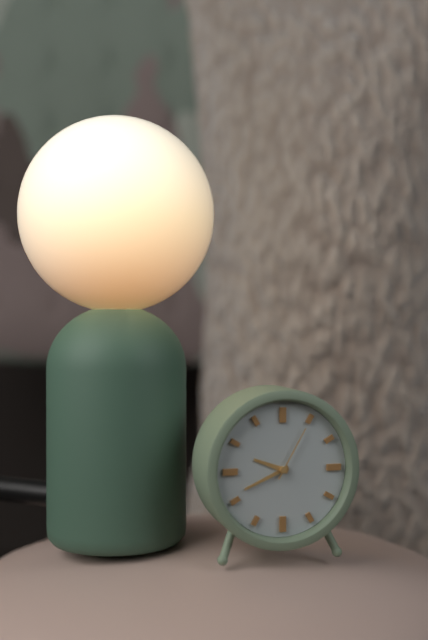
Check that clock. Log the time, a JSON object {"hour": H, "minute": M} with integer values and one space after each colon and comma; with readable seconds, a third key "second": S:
{"hour": 9, "minute": 41, "second": 5}
